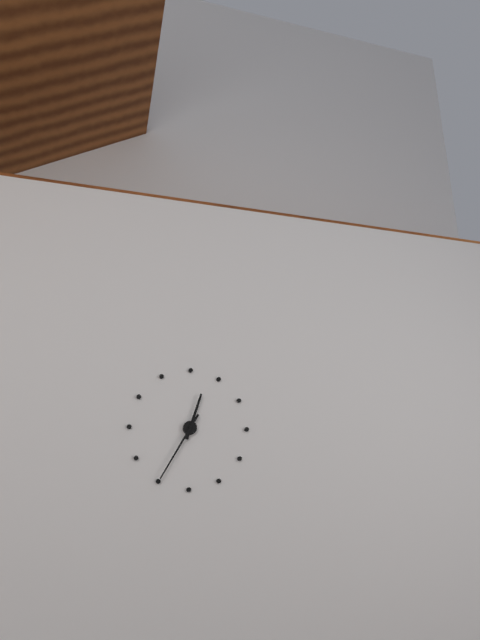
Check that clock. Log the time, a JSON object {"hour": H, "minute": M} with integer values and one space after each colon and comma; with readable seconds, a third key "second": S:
{"hour": 12, "minute": 35}
